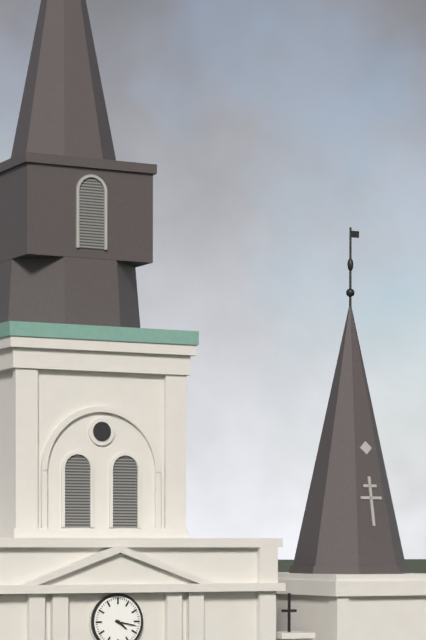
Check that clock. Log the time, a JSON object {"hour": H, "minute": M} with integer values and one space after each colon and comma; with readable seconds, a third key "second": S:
{"hour": 4, "minute": 17}
